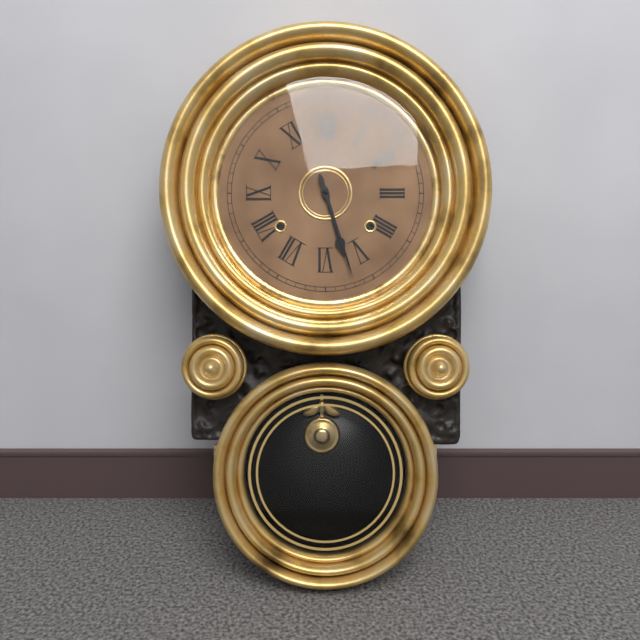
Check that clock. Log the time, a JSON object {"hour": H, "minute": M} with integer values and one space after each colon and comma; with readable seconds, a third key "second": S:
{"hour": 5, "minute": 27}
